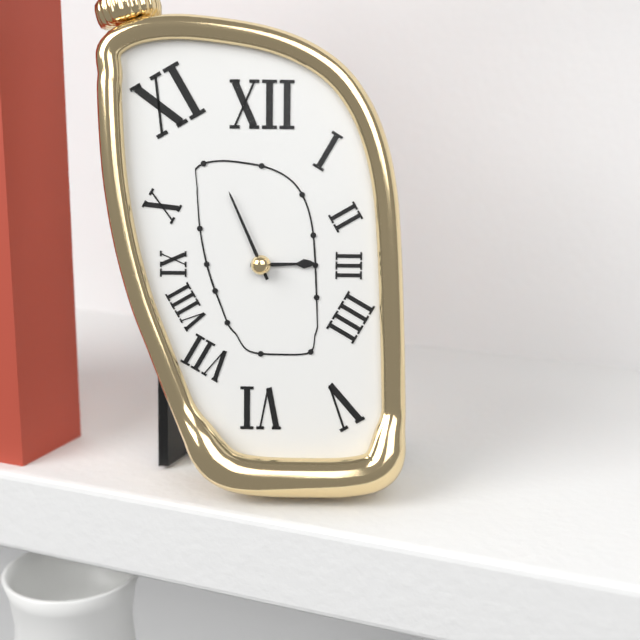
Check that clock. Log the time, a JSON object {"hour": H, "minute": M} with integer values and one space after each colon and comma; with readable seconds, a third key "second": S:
{"hour": 2, "minute": 56}
